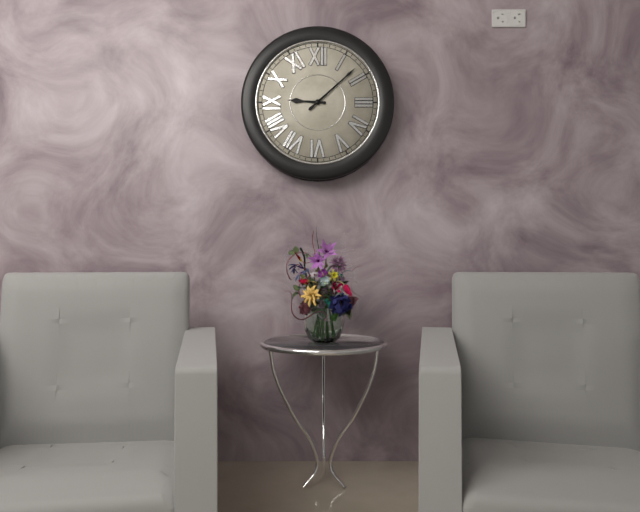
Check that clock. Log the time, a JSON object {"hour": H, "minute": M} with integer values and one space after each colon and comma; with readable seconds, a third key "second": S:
{"hour": 9, "minute": 8}
